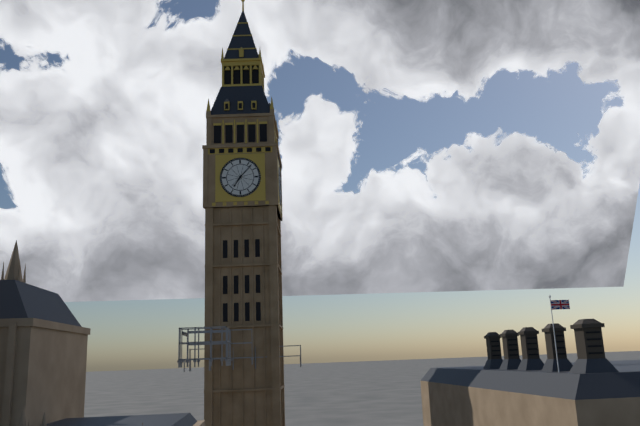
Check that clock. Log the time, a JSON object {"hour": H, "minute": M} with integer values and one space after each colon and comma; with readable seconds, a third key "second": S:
{"hour": 7, "minute": 7}
